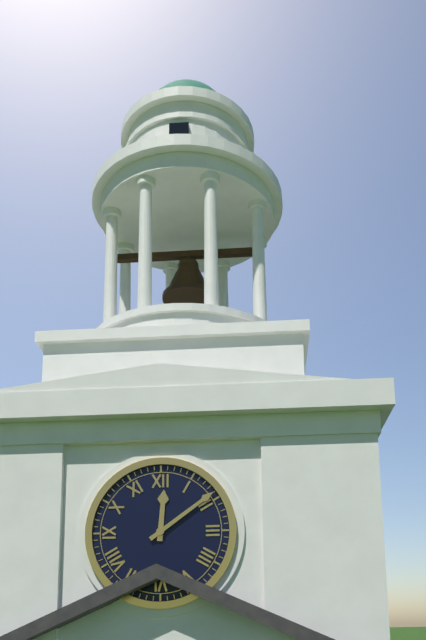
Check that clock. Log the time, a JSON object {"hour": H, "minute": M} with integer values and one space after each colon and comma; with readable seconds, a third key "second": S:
{"hour": 12, "minute": 9}
